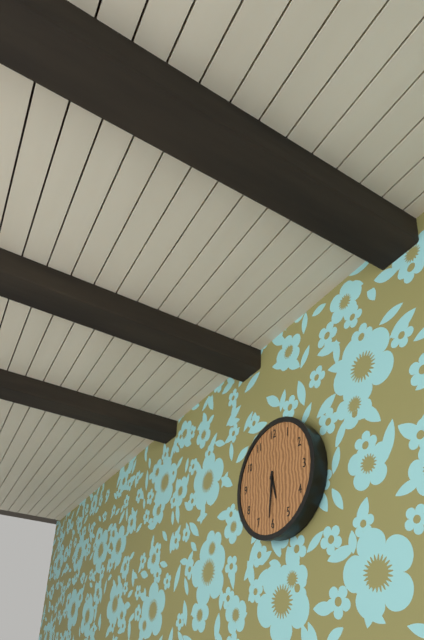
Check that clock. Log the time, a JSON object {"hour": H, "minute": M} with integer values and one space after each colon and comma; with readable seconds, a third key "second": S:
{"hour": 5, "minute": 31}
